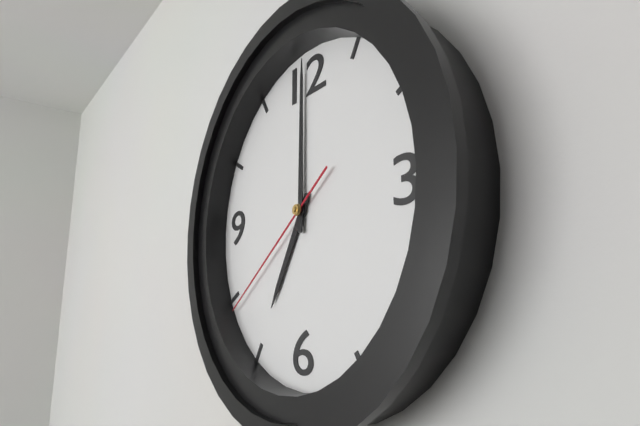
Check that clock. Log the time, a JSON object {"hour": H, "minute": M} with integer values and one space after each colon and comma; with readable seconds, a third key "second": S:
{"hour": 7, "minute": 0, "second": 39}
